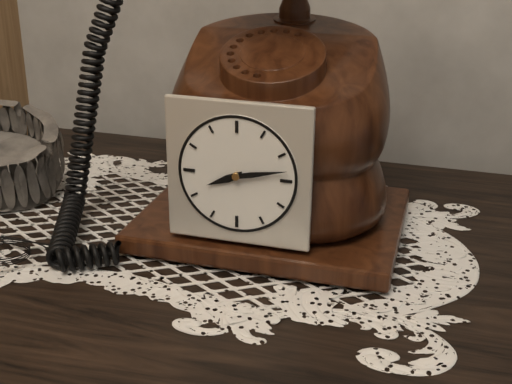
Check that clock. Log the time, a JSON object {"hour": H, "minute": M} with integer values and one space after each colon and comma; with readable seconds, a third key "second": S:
{"hour": 8, "minute": 13}
